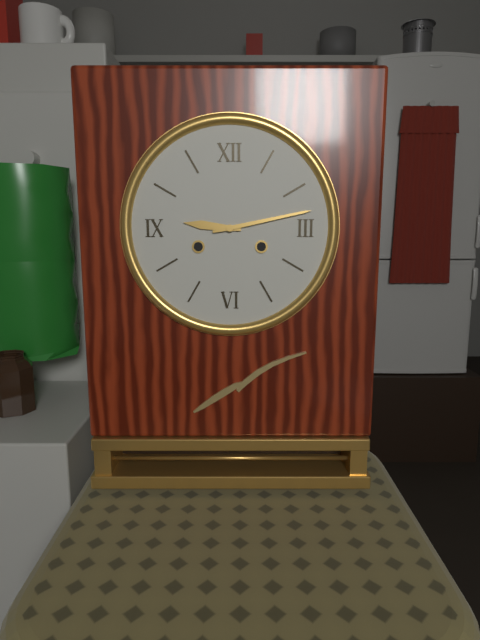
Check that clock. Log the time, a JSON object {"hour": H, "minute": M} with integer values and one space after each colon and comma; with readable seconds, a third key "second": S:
{"hour": 9, "minute": 13}
